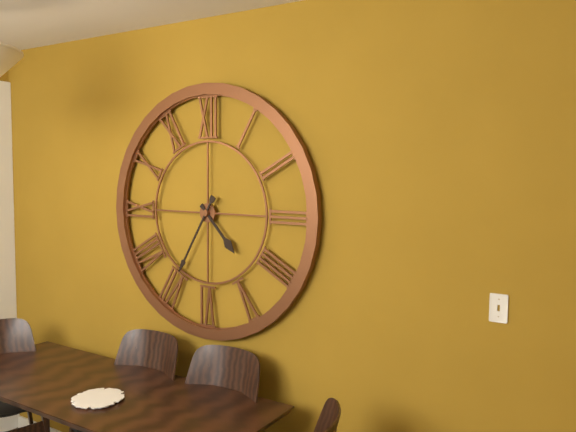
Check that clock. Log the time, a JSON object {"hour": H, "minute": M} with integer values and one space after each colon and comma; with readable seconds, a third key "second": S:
{"hour": 4, "minute": 35}
